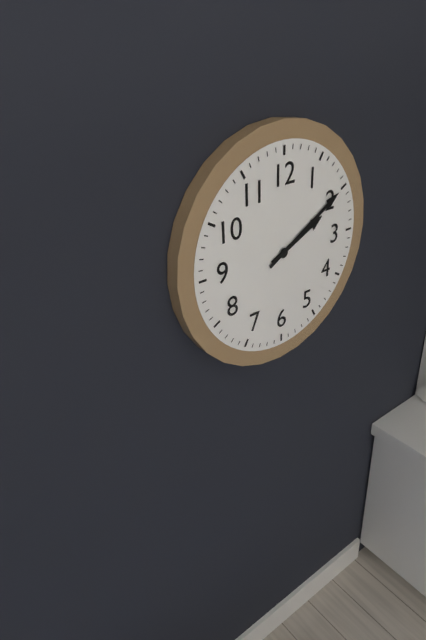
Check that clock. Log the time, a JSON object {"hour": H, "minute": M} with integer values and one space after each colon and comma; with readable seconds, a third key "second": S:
{"hour": 2, "minute": 10}
